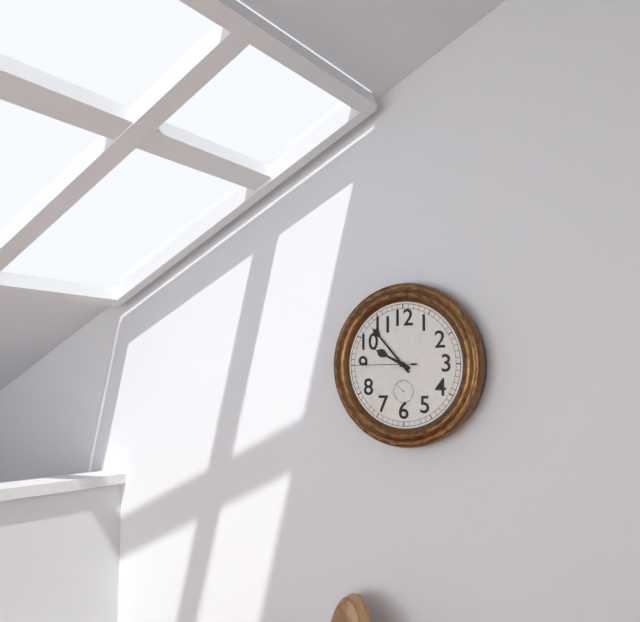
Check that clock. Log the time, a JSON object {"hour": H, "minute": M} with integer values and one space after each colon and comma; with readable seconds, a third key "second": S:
{"hour": 9, "minute": 53, "second": 45}
